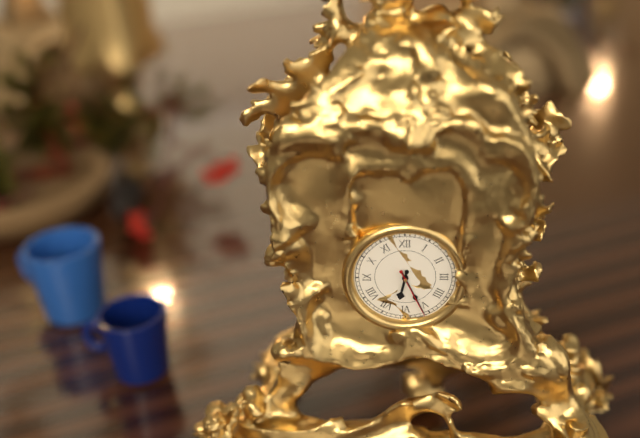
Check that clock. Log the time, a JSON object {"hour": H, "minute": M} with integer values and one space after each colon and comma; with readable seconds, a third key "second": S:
{"hour": 6, "minute": 26, "second": 26}
